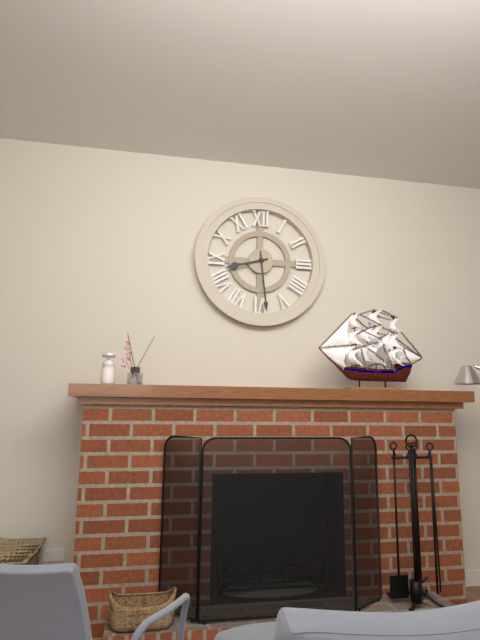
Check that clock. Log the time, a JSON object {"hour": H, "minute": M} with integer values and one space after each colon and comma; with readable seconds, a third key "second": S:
{"hour": 8, "minute": 29}
